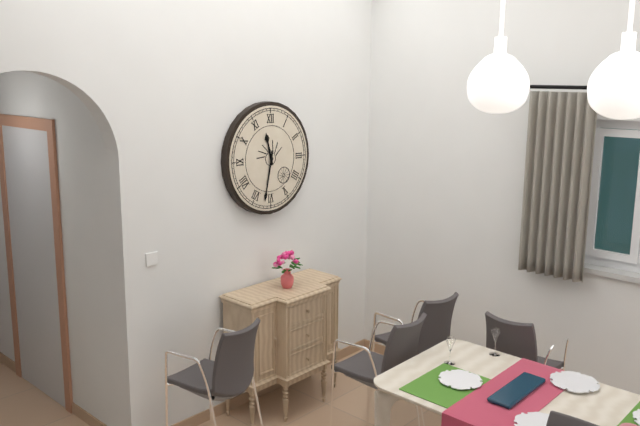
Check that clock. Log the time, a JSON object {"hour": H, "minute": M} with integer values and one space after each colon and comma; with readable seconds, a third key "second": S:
{"hour": 11, "minute": 32}
